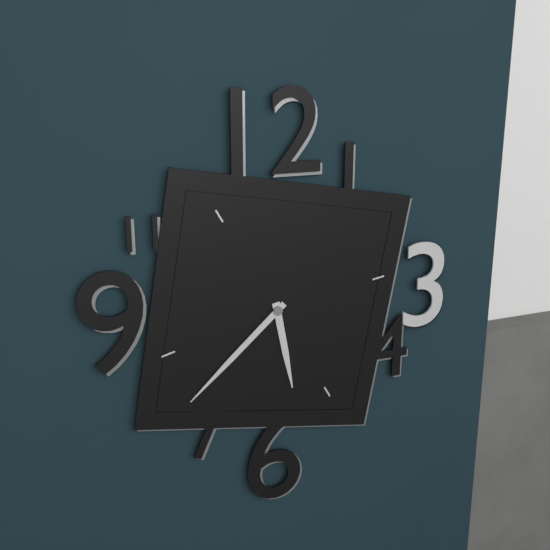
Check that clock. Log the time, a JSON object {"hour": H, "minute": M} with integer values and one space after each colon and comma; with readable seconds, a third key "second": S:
{"hour": 5, "minute": 38}
